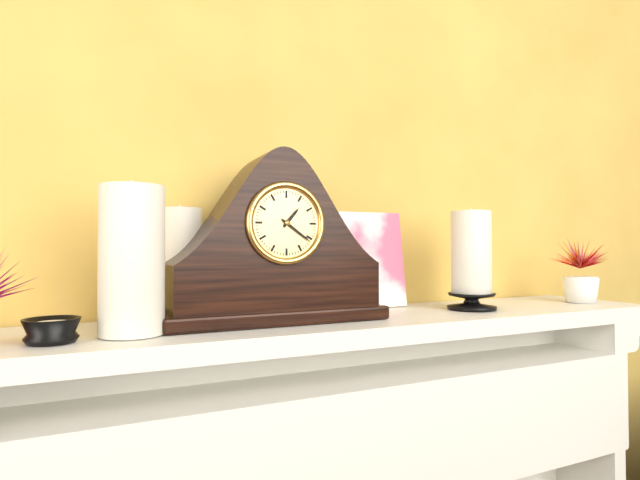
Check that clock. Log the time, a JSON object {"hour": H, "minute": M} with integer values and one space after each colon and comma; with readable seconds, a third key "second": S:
{"hour": 1, "minute": 21}
